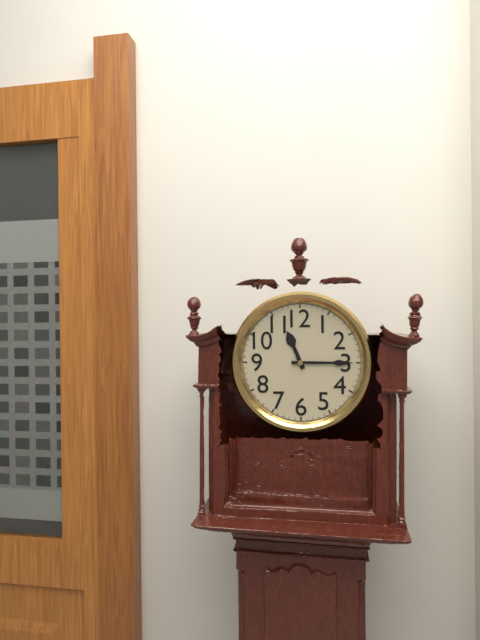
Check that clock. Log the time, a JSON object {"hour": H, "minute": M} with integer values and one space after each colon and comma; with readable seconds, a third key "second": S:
{"hour": 11, "minute": 15}
